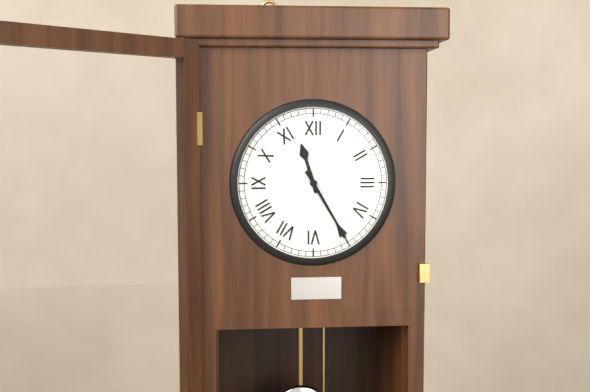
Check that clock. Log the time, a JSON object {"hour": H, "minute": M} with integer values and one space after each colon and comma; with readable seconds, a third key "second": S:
{"hour": 11, "minute": 25}
